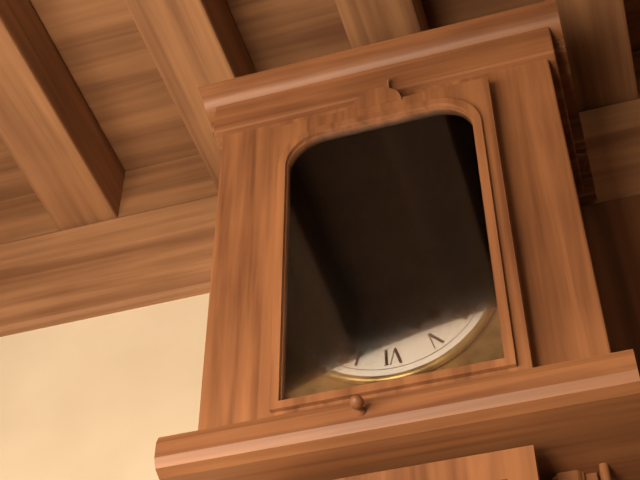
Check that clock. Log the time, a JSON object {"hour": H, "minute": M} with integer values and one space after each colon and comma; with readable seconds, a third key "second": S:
{"hour": 5, "minute": 4}
